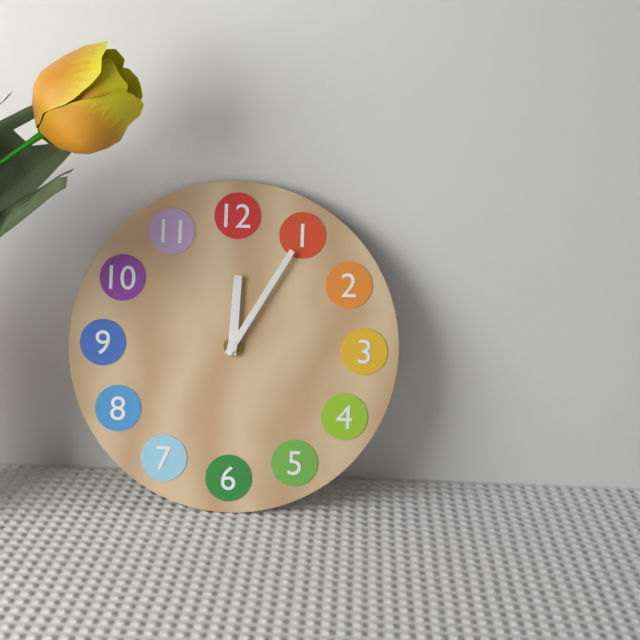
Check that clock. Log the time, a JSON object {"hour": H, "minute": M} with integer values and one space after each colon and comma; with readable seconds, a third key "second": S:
{"hour": 12, "minute": 5}
